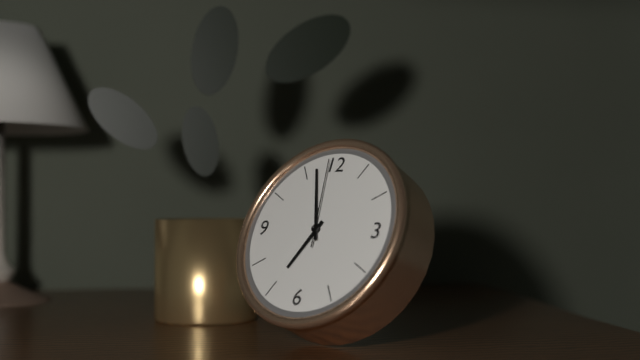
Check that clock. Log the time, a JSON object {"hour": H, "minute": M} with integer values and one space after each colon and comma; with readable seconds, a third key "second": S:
{"hour": 6, "minute": 57, "second": 59}
